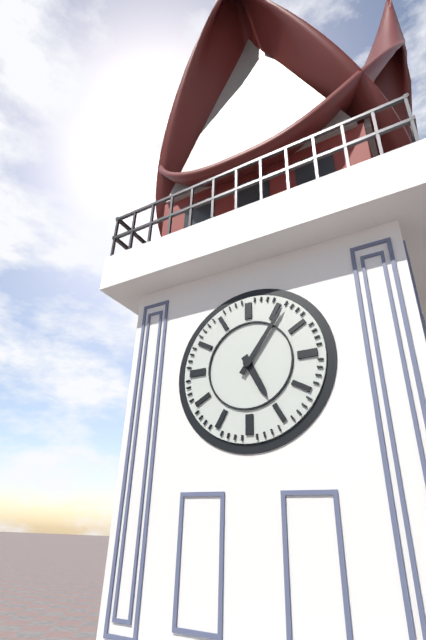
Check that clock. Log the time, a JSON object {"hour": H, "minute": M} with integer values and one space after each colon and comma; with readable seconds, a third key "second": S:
{"hour": 5, "minute": 6}
